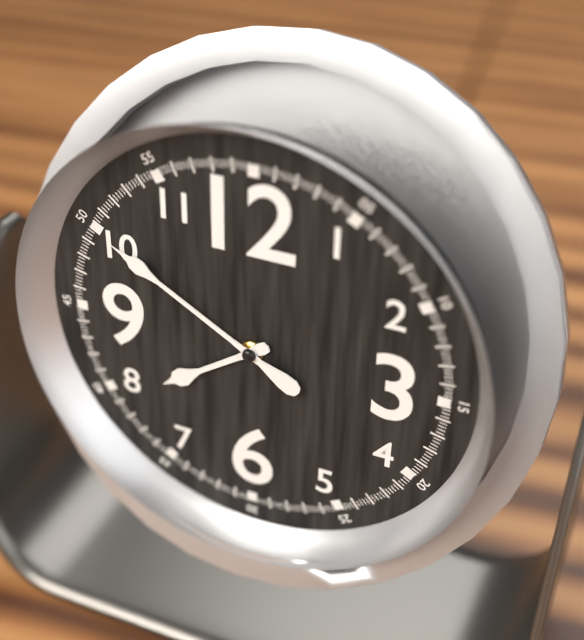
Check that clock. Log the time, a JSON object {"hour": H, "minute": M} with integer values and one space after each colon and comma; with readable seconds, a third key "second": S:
{"hour": 7, "minute": 50}
